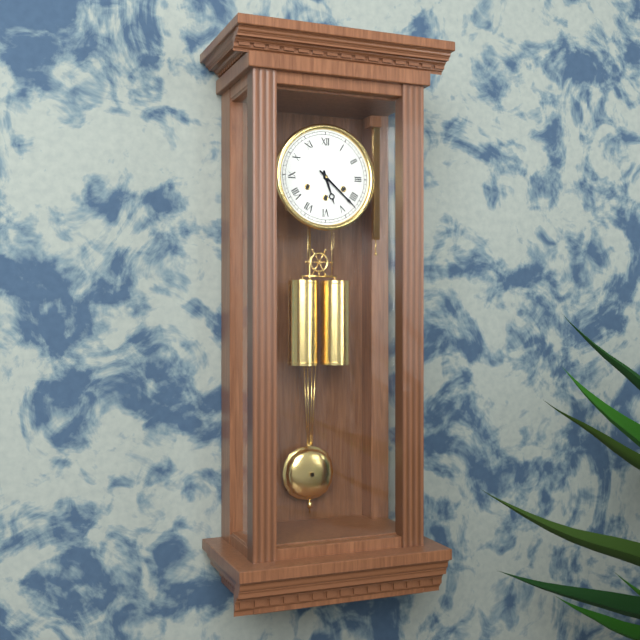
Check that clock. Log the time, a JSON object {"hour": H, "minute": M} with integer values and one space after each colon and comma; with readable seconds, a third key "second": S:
{"hour": 5, "minute": 22}
